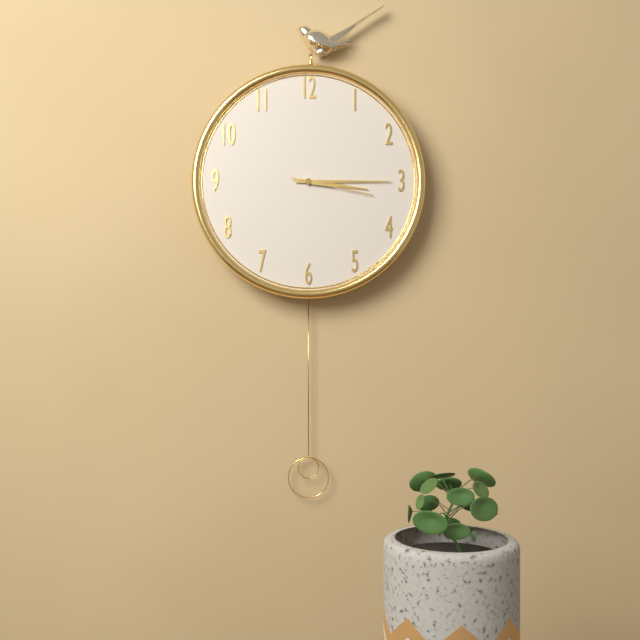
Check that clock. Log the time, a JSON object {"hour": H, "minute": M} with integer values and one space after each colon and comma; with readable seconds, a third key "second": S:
{"hour": 3, "minute": 15, "second": 17}
